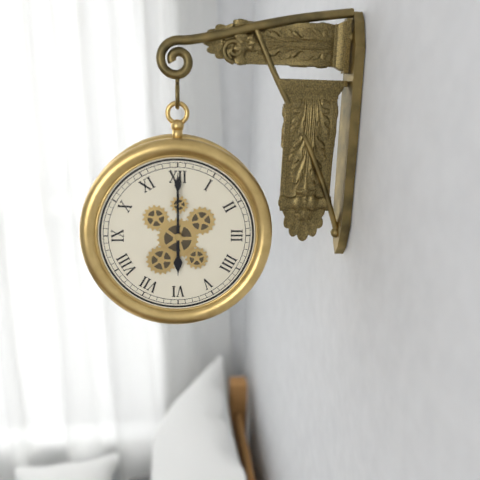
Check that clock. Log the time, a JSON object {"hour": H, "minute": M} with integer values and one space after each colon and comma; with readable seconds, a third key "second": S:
{"hour": 6, "minute": 0}
